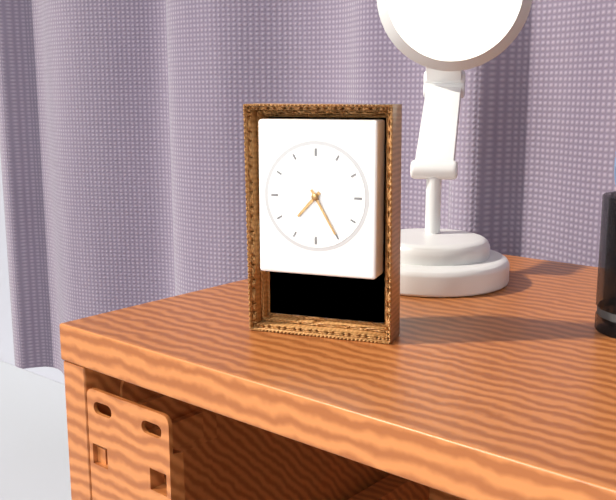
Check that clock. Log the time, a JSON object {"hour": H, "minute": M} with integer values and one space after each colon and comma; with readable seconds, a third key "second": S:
{"hour": 7, "minute": 25}
